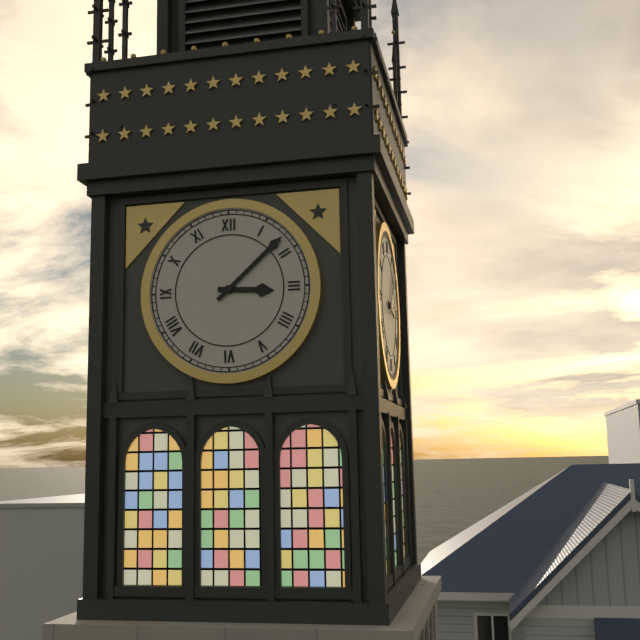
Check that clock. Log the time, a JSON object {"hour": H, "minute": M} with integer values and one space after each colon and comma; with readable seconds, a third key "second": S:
{"hour": 3, "minute": 8}
